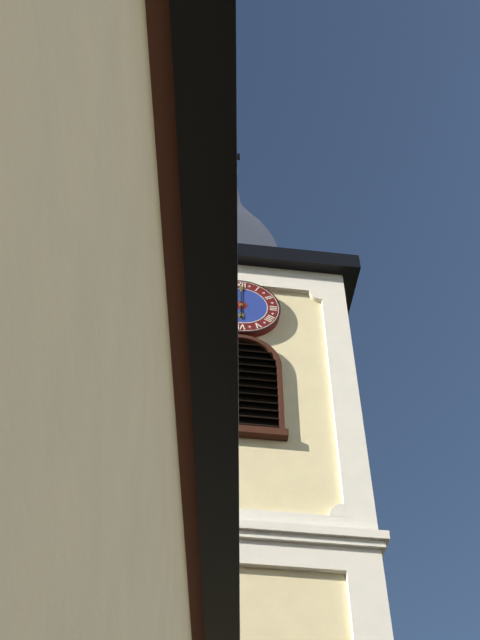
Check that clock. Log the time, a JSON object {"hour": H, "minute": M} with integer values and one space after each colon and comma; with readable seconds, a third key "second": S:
{"hour": 6, "minute": 0}
